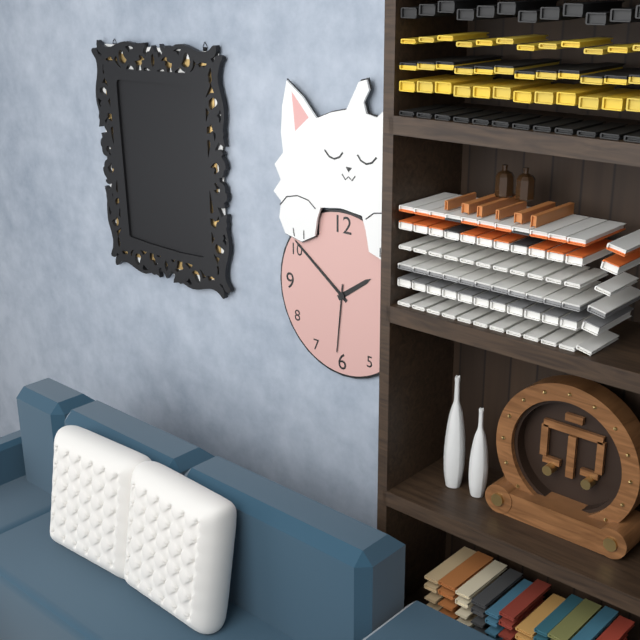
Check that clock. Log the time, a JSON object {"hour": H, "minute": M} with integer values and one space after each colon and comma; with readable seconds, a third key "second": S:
{"hour": 1, "minute": 51, "second": 31}
